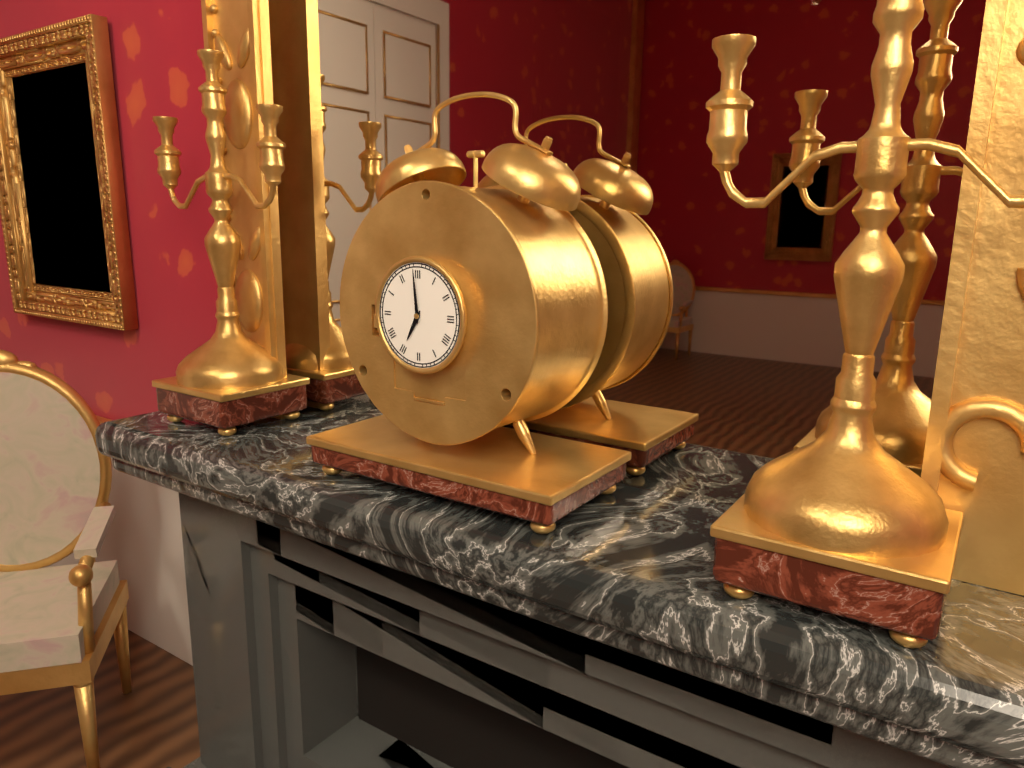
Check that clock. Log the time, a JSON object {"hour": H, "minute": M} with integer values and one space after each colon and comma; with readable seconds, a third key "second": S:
{"hour": 6, "minute": 59}
